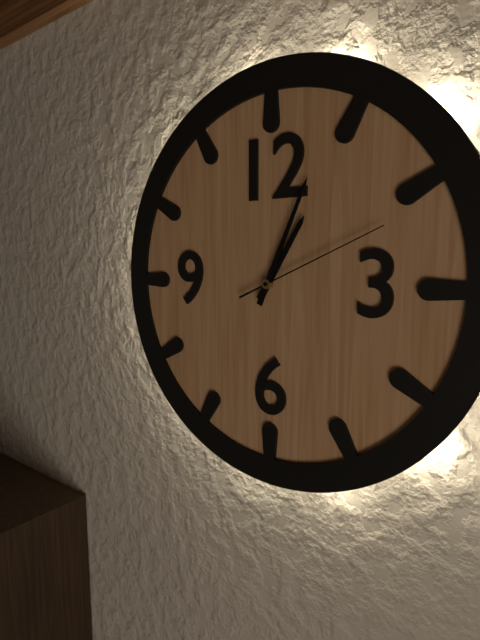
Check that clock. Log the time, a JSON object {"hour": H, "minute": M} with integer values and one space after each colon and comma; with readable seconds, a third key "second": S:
{"hour": 1, "minute": 4, "second": 11}
